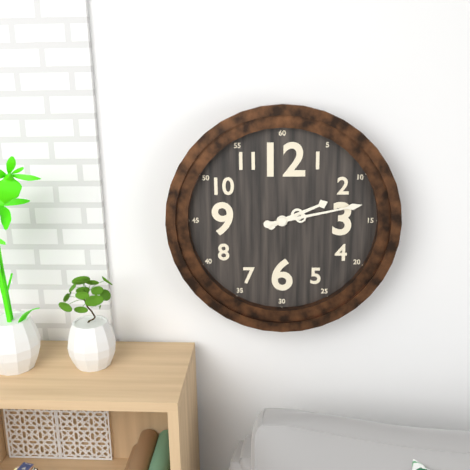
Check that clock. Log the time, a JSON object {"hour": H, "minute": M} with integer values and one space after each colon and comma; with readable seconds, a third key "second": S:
{"hour": 2, "minute": 13}
